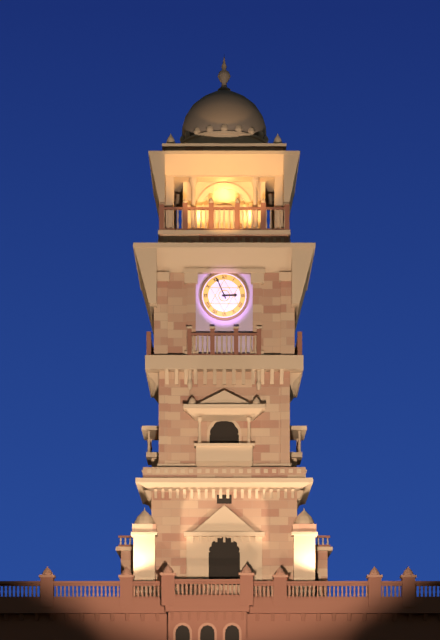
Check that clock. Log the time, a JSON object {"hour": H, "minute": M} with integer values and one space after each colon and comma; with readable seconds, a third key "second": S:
{"hour": 2, "minute": 56}
